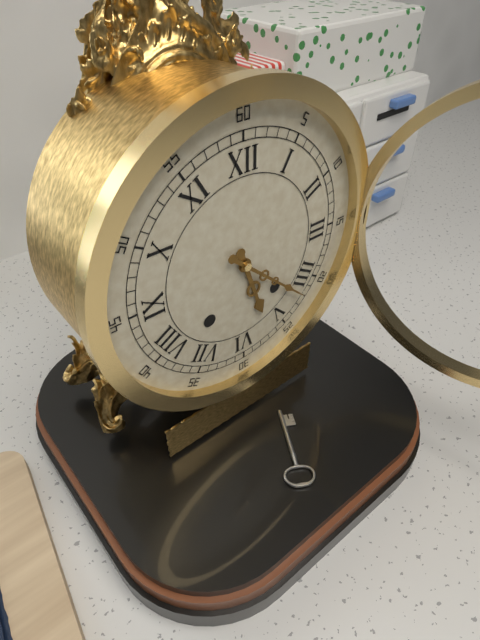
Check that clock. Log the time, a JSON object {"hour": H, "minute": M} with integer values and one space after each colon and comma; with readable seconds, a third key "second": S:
{"hour": 5, "minute": 22}
